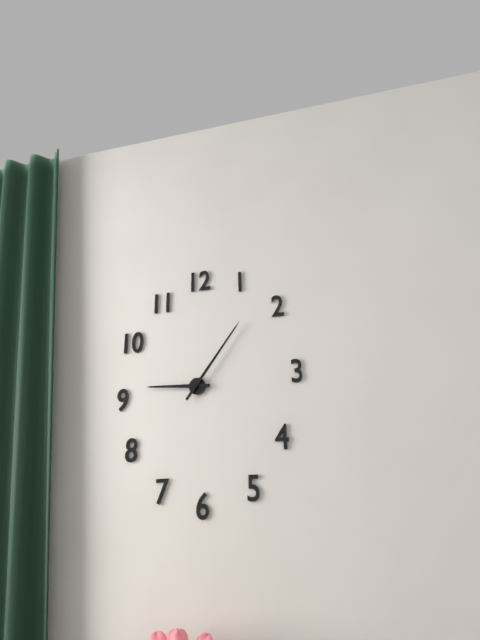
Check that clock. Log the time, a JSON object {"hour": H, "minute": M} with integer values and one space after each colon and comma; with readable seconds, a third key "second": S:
{"hour": 9, "minute": 6}
